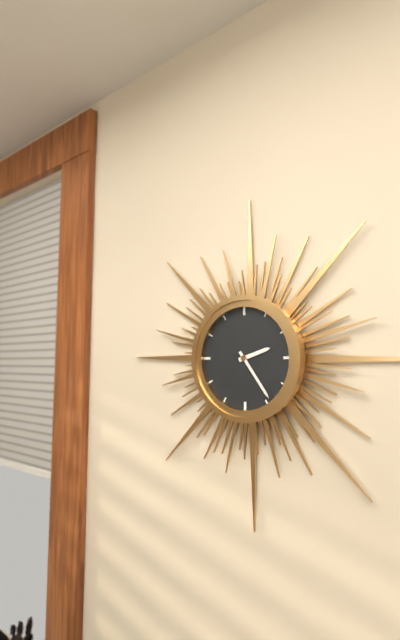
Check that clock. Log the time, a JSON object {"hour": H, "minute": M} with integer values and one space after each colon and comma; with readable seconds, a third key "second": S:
{"hour": 2, "minute": 24}
